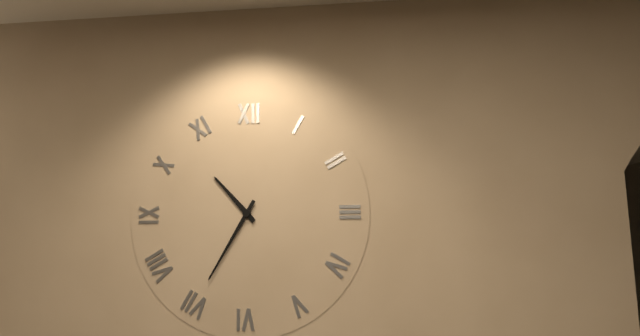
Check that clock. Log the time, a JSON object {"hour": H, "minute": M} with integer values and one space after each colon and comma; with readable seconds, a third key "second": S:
{"hour": 10, "minute": 35}
